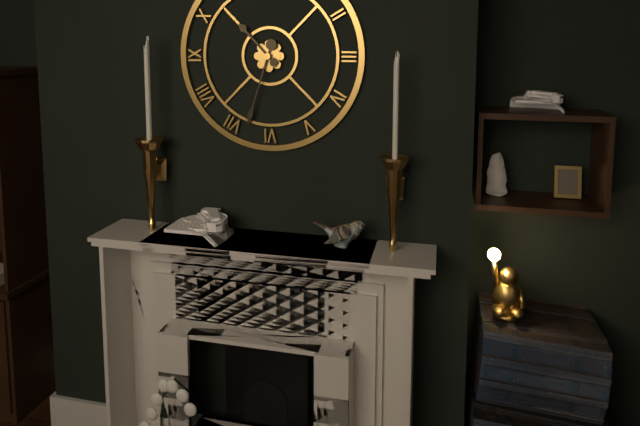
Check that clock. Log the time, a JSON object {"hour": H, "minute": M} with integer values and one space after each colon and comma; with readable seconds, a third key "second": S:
{"hour": 10, "minute": 33}
